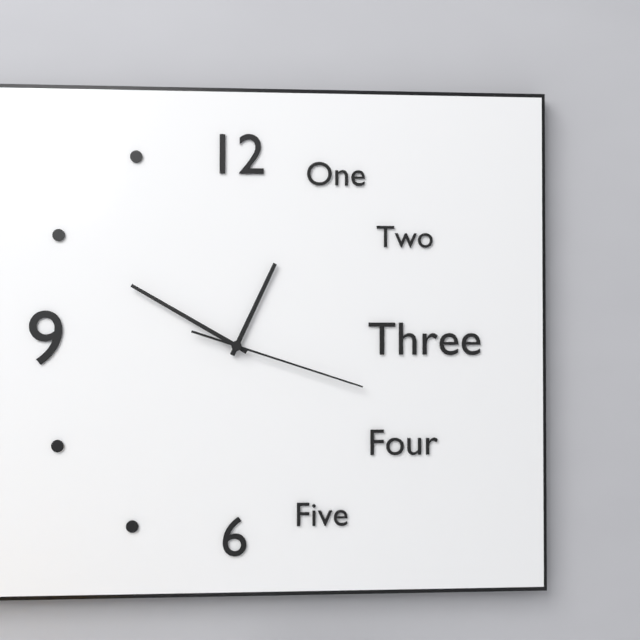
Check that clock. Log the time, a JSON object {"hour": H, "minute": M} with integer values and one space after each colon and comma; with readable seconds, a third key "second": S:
{"hour": 12, "minute": 50, "second": 18}
